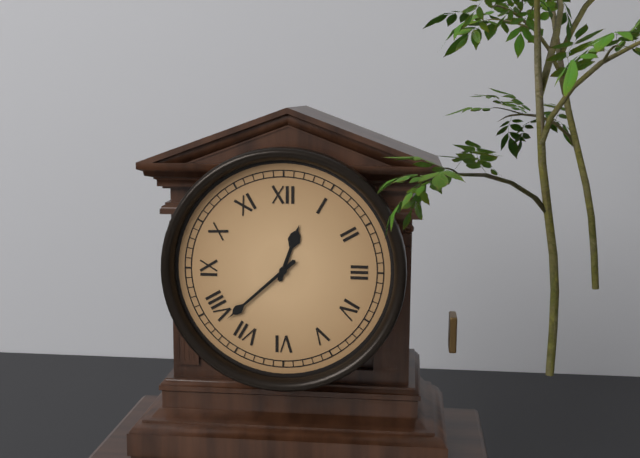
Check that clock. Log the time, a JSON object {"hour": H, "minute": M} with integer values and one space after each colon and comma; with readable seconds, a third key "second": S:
{"hour": 12, "minute": 38}
